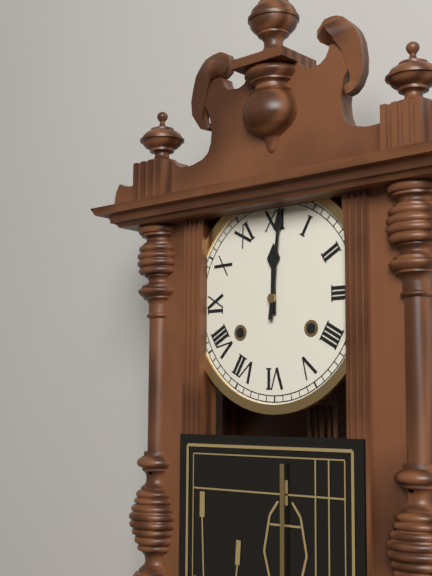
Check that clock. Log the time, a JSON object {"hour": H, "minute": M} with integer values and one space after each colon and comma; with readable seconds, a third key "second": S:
{"hour": 12, "minute": 1}
